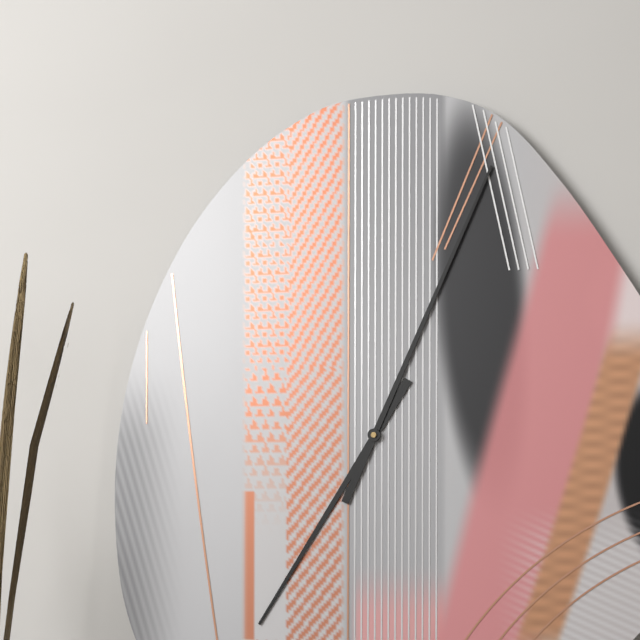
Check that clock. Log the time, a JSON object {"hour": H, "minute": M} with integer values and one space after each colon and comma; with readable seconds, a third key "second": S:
{"hour": 7, "minute": 4}
